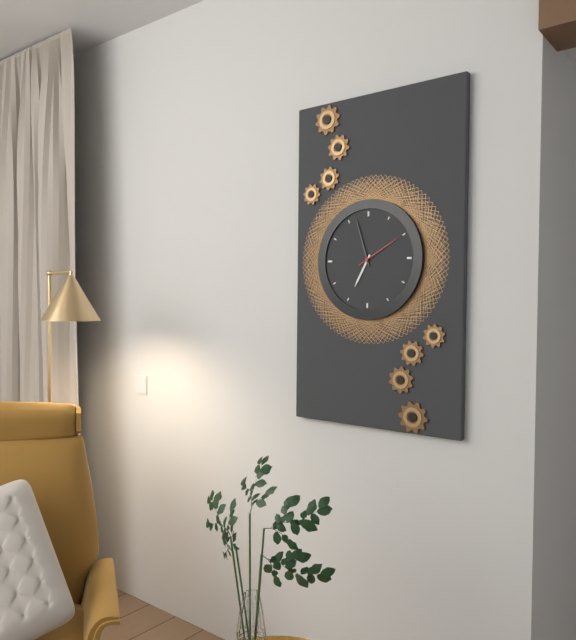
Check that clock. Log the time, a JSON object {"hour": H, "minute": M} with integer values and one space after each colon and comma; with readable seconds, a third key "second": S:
{"hour": 6, "minute": 57}
